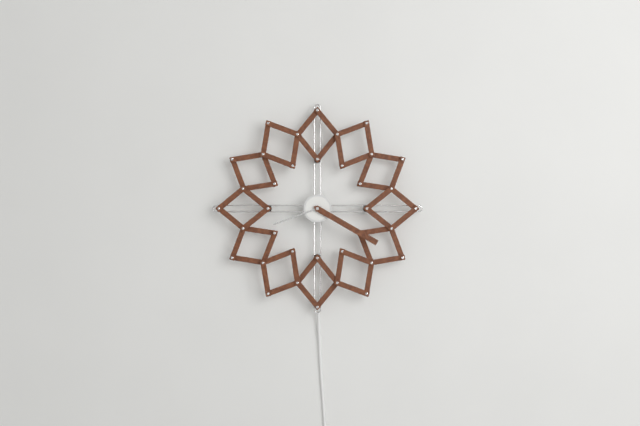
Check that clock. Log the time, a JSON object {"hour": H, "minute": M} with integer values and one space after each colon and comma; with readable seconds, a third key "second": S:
{"hour": 8, "minute": 20}
